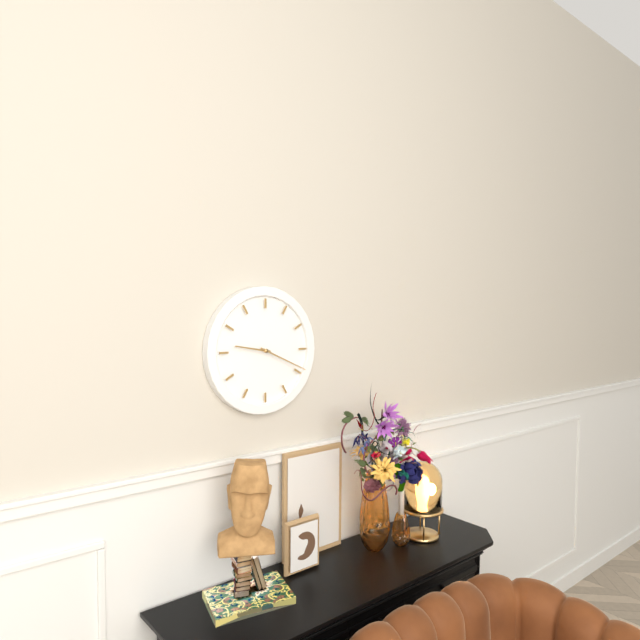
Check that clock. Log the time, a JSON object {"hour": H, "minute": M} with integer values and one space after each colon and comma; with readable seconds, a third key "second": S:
{"hour": 9, "minute": 19}
